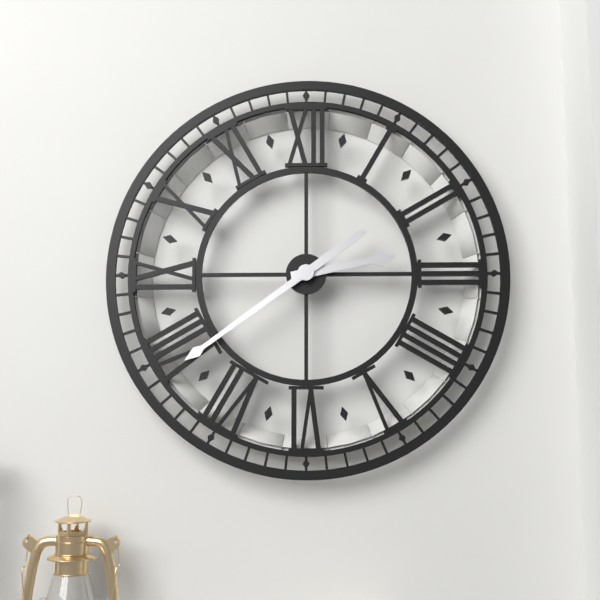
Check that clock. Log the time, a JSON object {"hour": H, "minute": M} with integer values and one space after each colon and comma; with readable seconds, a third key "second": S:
{"hour": 2, "minute": 39}
